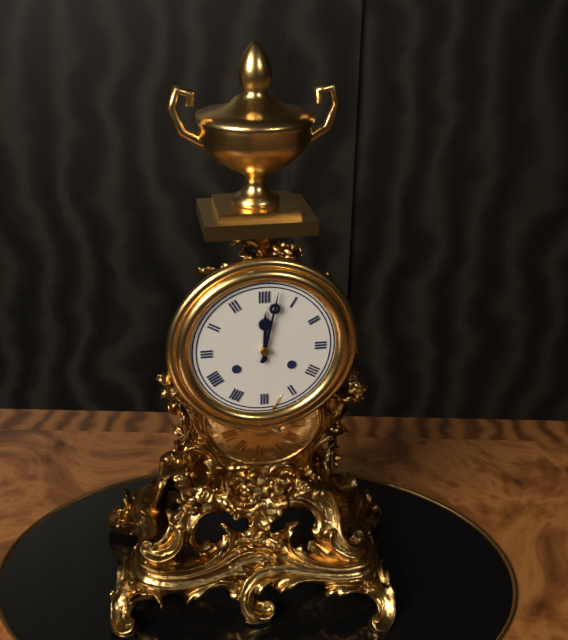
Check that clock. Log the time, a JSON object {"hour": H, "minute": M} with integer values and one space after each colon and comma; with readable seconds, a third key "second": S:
{"hour": 12, "minute": 2}
